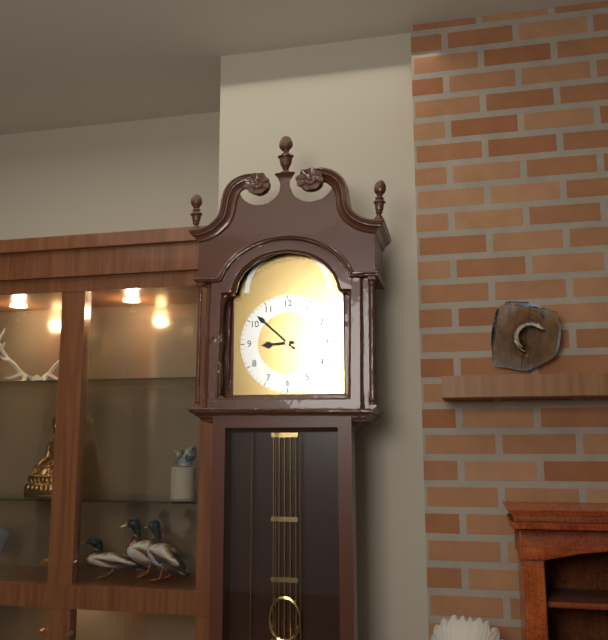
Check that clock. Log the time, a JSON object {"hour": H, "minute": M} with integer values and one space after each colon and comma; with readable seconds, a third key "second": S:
{"hour": 8, "minute": 52}
